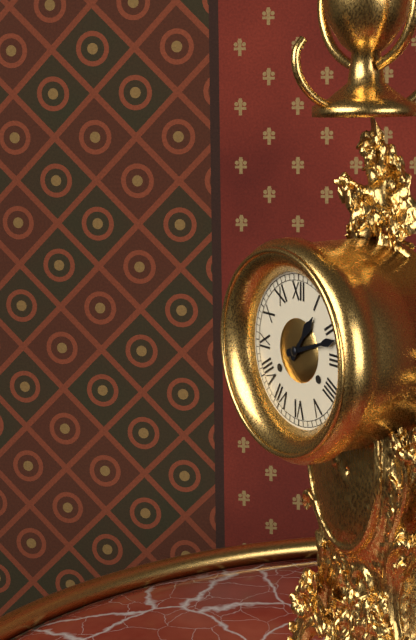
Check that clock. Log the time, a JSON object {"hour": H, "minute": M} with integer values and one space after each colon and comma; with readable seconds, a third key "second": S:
{"hour": 1, "minute": 12}
